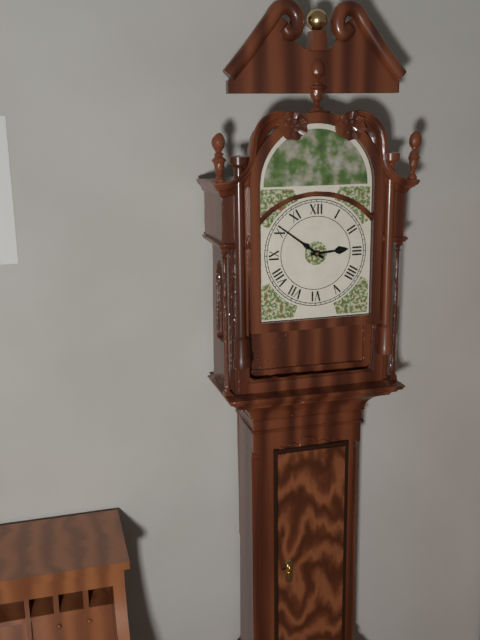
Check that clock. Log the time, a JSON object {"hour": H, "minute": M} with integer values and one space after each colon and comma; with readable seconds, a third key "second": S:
{"hour": 2, "minute": 51}
